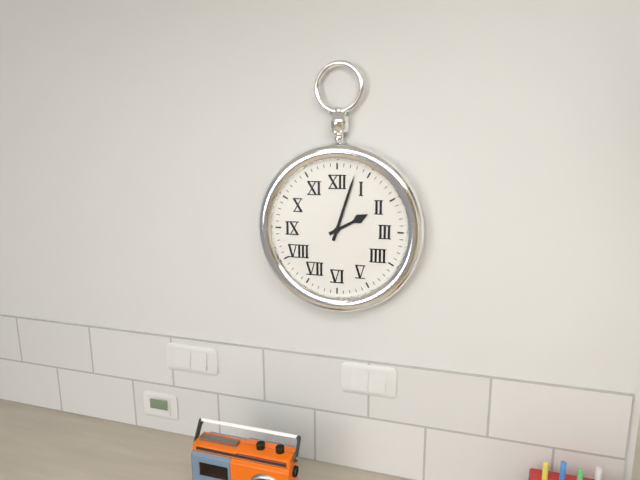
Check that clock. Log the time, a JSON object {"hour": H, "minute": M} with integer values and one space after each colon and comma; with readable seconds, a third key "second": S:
{"hour": 2, "minute": 3}
